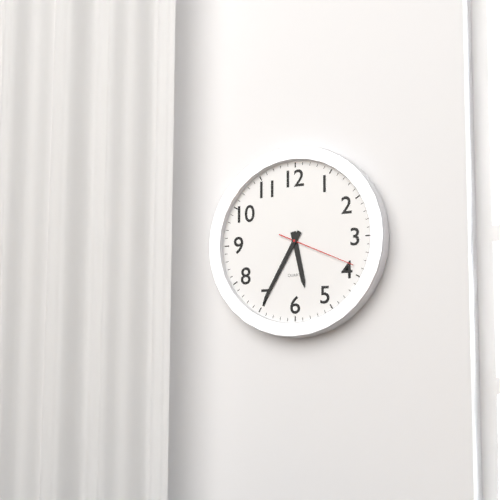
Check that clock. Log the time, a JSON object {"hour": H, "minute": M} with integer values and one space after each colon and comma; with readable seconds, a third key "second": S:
{"hour": 5, "minute": 35, "second": 19}
